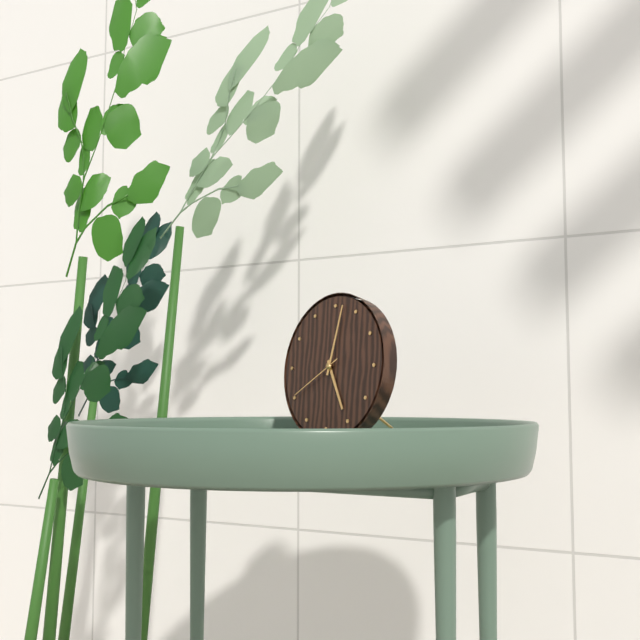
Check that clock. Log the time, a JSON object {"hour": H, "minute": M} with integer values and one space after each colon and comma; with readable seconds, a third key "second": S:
{"hour": 5, "minute": 2, "second": 40}
